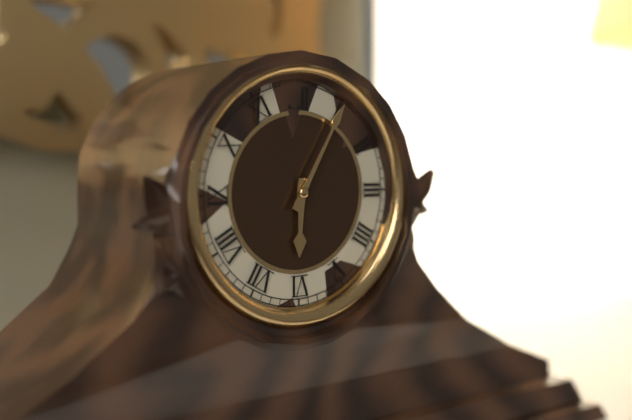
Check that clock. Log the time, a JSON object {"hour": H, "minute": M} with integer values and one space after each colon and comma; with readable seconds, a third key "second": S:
{"hour": 6, "minute": 5}
